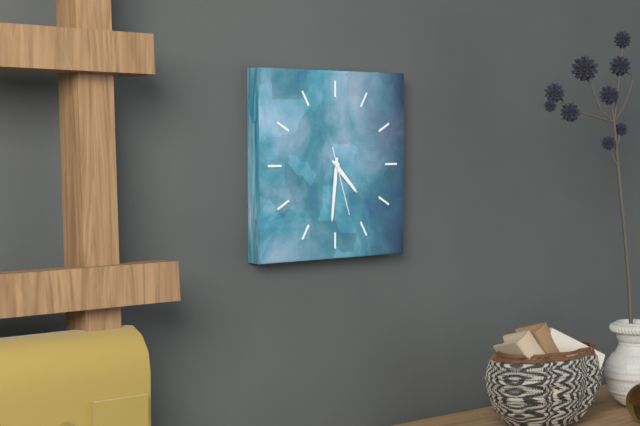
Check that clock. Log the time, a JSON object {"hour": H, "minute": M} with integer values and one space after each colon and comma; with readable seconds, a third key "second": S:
{"hour": 4, "minute": 31, "second": 27}
